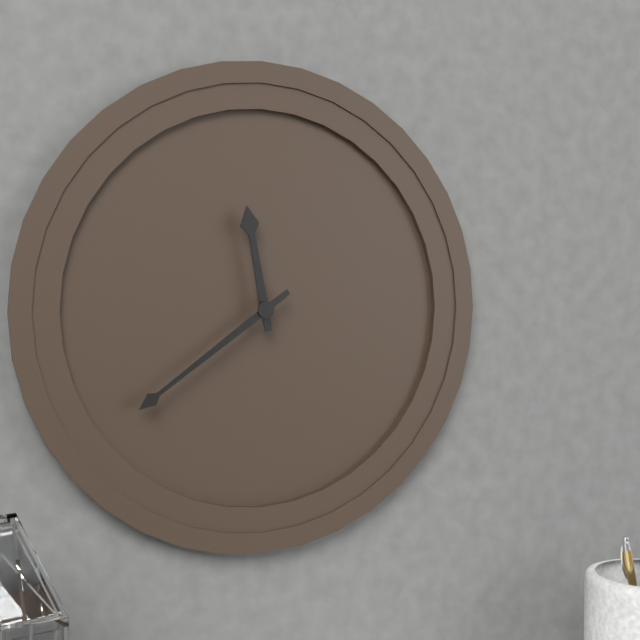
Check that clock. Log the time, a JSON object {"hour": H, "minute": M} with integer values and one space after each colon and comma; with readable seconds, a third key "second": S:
{"hour": 11, "minute": 39}
